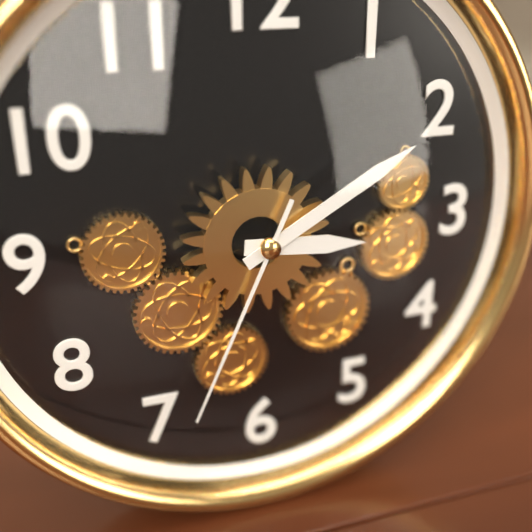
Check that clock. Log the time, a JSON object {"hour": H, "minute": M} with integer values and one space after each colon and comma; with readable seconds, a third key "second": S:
{"hour": 3, "minute": 10, "second": 34}
